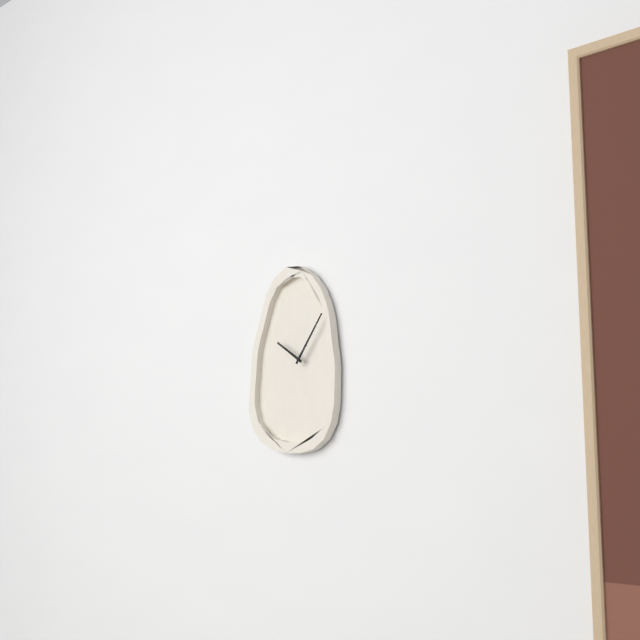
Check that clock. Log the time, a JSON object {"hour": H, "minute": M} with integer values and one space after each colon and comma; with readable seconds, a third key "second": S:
{"hour": 10, "minute": 6}
